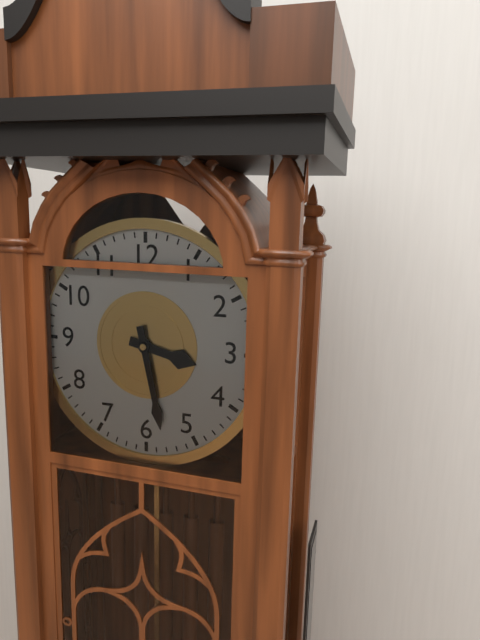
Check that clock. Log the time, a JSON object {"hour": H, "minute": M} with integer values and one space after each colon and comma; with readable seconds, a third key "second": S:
{"hour": 3, "minute": 28}
